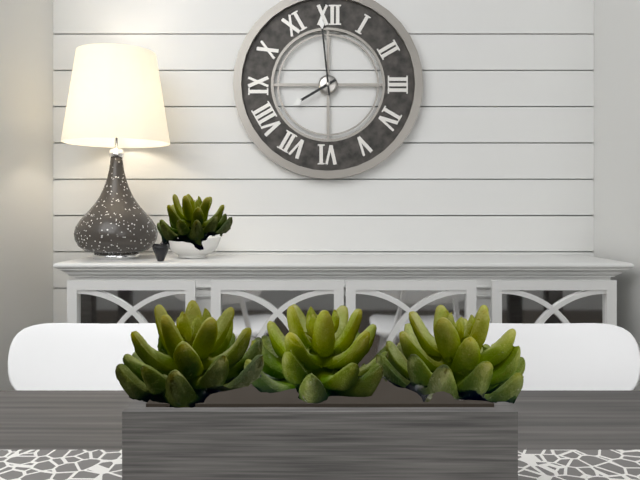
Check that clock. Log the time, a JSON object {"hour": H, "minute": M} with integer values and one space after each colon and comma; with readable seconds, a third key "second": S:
{"hour": 7, "minute": 59}
